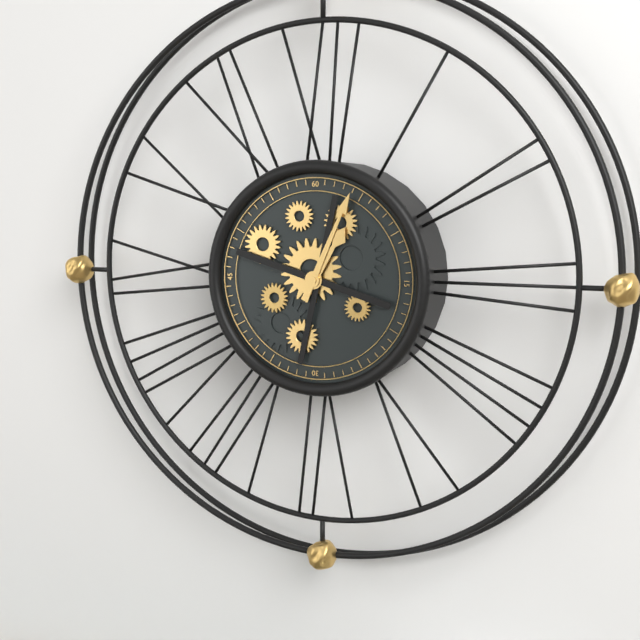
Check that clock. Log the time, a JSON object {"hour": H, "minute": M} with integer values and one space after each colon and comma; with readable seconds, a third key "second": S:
{"hour": 1, "minute": 4}
